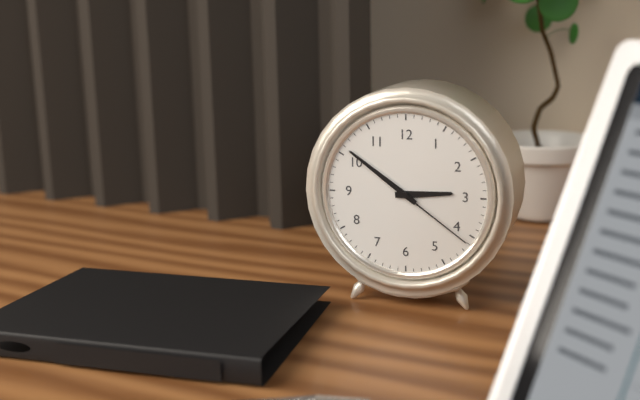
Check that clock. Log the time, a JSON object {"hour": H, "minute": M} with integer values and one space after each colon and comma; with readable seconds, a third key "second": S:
{"hour": 2, "minute": 51, "second": 21}
